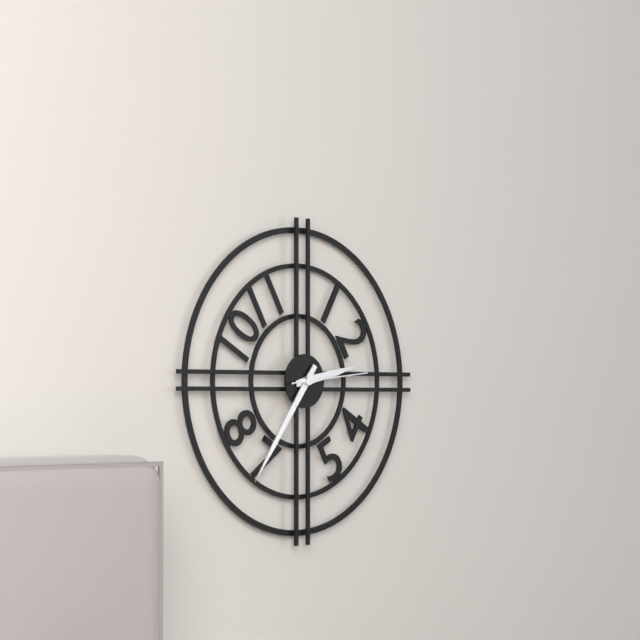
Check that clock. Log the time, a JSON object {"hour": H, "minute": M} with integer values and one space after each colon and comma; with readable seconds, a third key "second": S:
{"hour": 2, "minute": 36, "second": 14}
